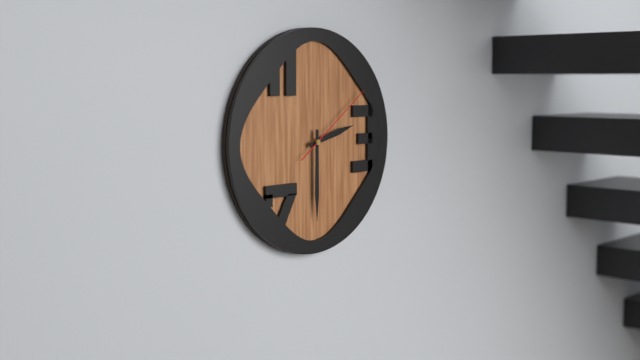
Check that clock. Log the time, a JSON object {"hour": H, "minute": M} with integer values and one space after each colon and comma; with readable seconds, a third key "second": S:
{"hour": 2, "minute": 30, "second": 9}
